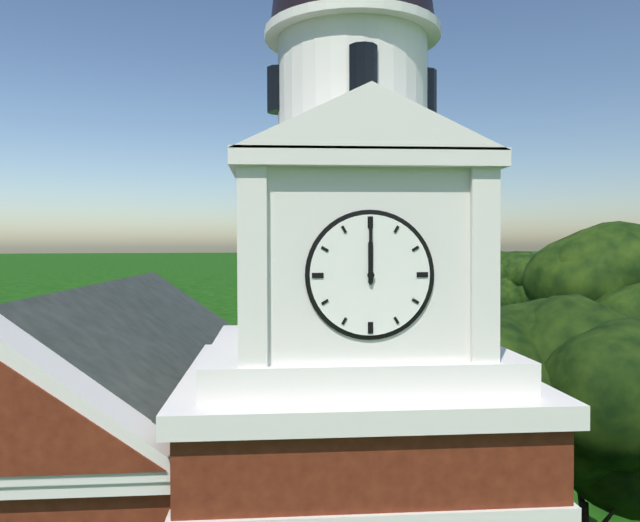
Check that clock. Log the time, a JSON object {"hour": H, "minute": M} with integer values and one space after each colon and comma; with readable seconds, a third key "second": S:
{"hour": 12, "minute": 0}
